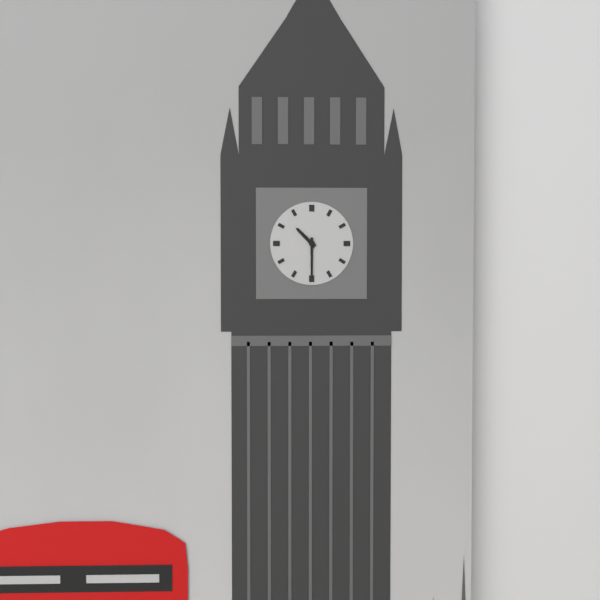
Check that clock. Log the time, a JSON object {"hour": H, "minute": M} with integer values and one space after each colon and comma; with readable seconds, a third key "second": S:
{"hour": 10, "minute": 30}
